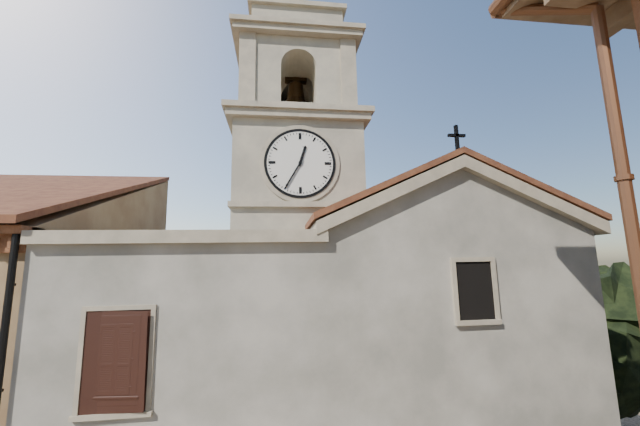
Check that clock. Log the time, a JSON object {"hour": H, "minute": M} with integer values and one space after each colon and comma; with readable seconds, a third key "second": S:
{"hour": 12, "minute": 35}
